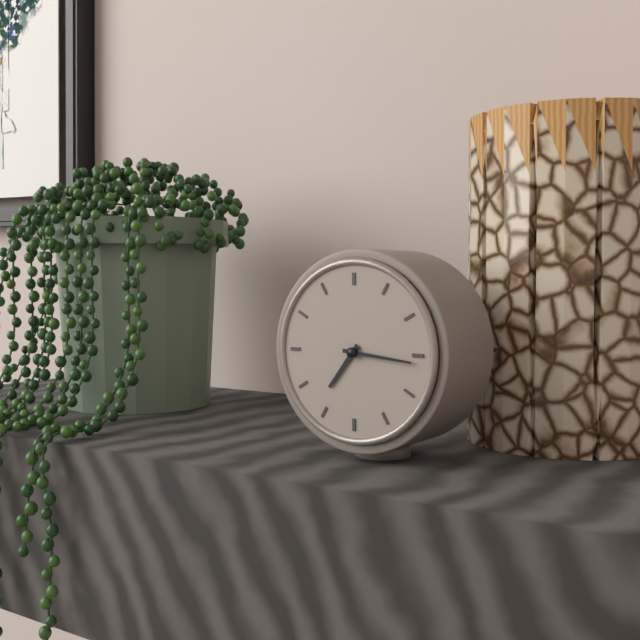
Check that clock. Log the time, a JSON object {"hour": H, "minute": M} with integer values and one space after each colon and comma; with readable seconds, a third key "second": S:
{"hour": 7, "minute": 16}
